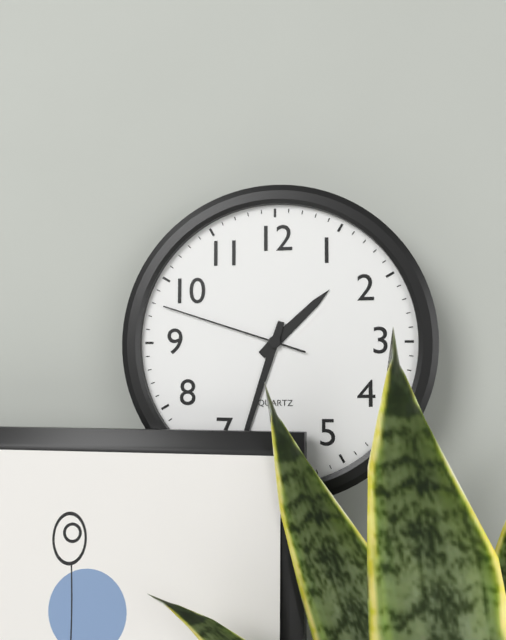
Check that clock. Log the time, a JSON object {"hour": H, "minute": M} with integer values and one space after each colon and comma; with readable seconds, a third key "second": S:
{"hour": 1, "minute": 33, "second": 48}
